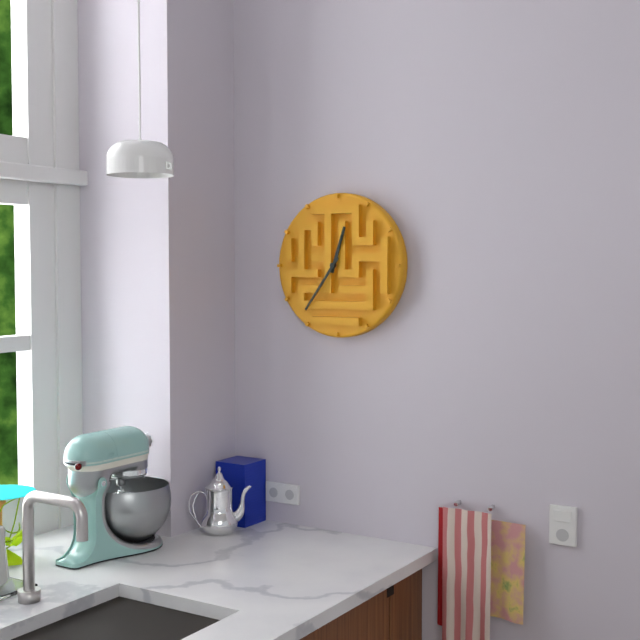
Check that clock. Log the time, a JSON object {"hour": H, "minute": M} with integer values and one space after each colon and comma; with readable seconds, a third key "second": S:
{"hour": 12, "minute": 36}
